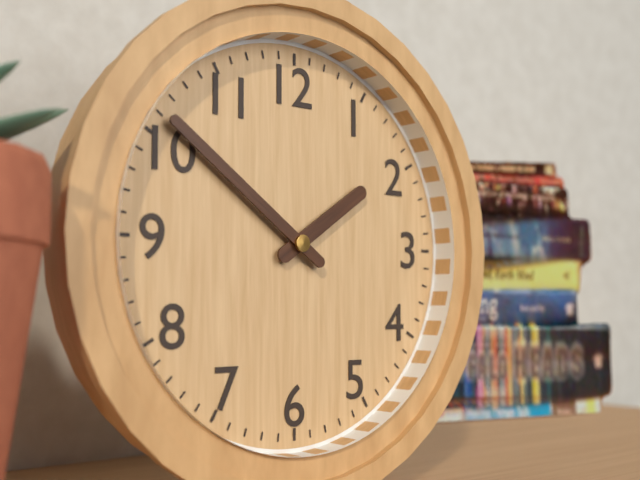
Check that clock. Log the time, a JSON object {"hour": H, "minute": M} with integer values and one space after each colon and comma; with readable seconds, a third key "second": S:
{"hour": 1, "minute": 51}
